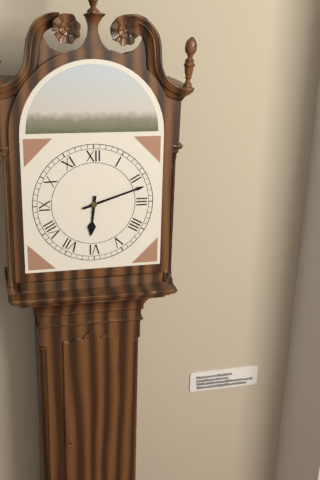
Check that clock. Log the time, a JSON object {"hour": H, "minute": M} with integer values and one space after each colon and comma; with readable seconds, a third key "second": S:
{"hour": 6, "minute": 12}
